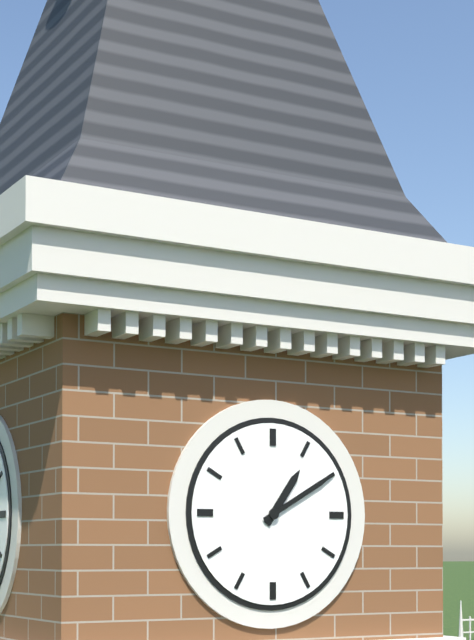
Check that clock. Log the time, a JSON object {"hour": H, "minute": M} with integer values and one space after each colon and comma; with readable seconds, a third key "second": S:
{"hour": 1, "minute": 10}
